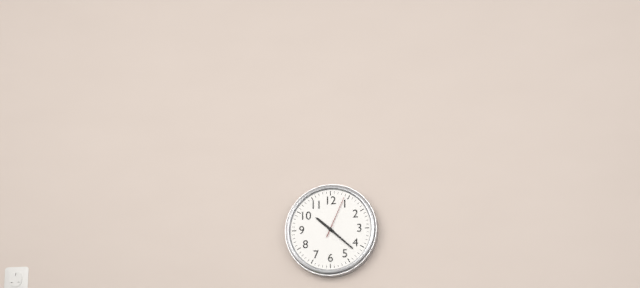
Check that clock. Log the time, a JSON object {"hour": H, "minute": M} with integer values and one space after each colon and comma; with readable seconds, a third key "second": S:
{"hour": 10, "minute": 22}
